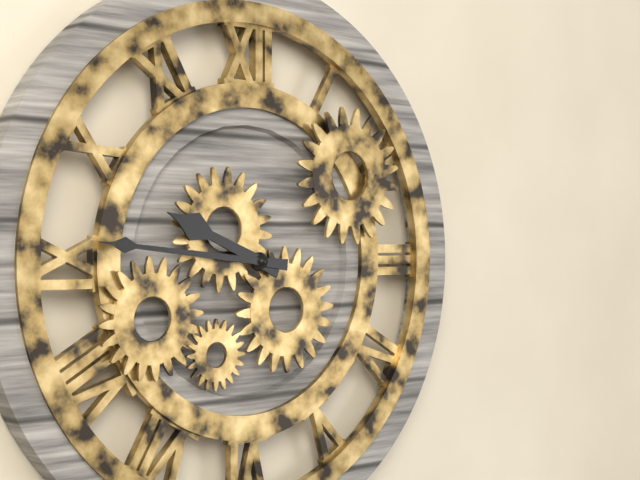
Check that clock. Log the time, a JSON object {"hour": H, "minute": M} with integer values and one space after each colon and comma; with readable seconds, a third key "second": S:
{"hour": 9, "minute": 46}
